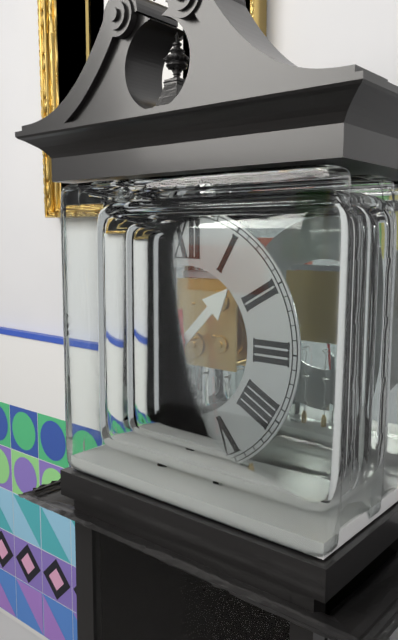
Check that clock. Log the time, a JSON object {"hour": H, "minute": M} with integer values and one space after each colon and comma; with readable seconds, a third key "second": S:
{"hour": 1, "minute": 29}
